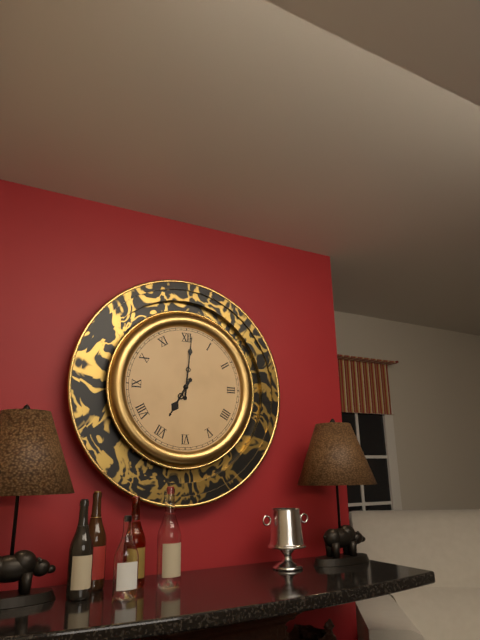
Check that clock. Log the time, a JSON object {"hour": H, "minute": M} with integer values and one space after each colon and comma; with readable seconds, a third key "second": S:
{"hour": 7, "minute": 1}
